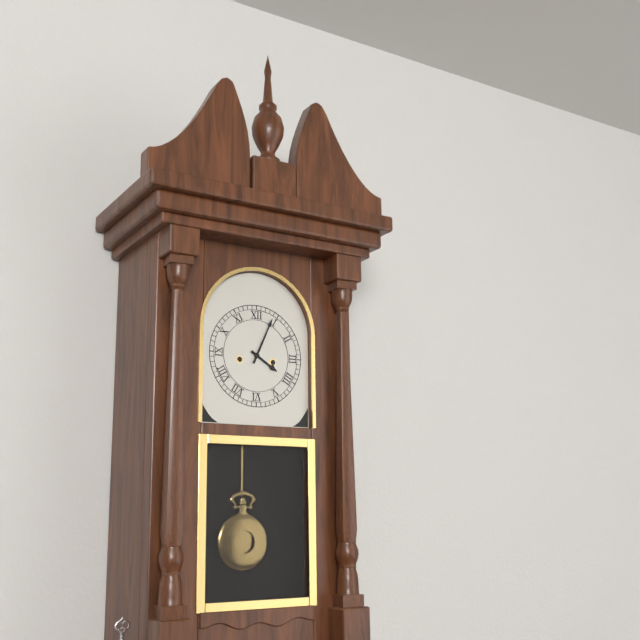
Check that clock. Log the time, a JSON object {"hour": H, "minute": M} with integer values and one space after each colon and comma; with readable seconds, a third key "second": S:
{"hour": 4, "minute": 4}
